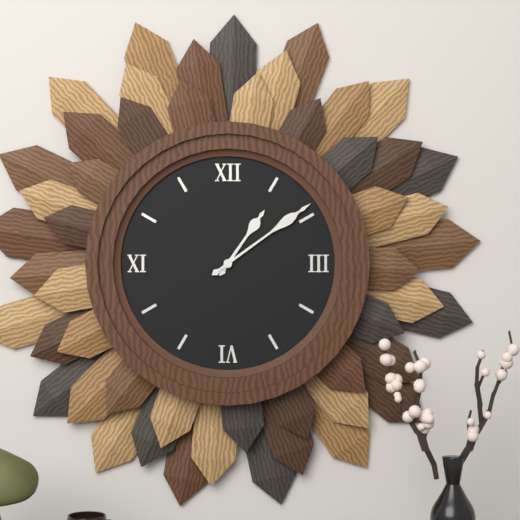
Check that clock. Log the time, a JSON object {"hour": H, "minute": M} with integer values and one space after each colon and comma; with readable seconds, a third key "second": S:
{"hour": 1, "minute": 9}
